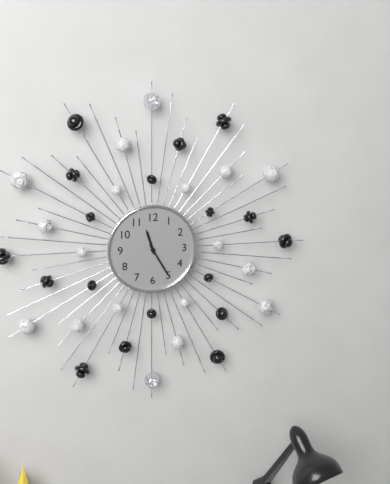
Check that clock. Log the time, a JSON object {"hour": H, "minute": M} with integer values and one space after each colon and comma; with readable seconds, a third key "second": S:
{"hour": 11, "minute": 25}
